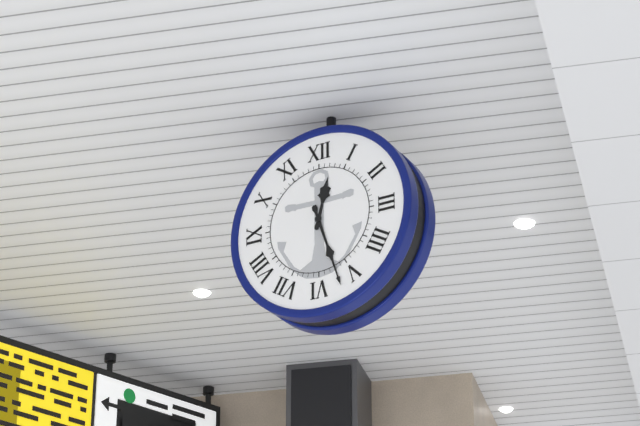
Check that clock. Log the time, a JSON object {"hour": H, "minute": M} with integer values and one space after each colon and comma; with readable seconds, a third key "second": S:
{"hour": 12, "minute": 27}
